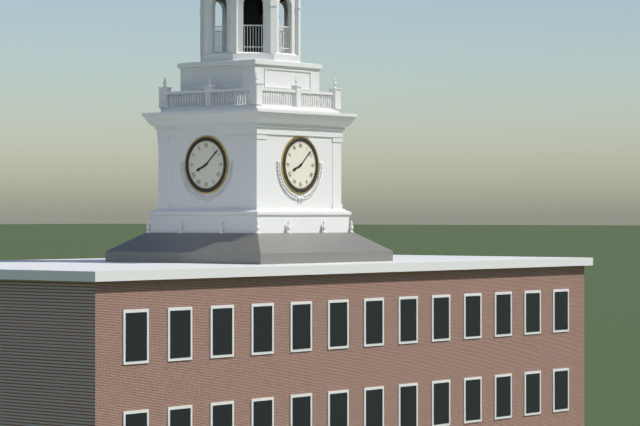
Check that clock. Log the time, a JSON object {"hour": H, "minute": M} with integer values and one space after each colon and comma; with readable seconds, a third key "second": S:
{"hour": 8, "minute": 8}
